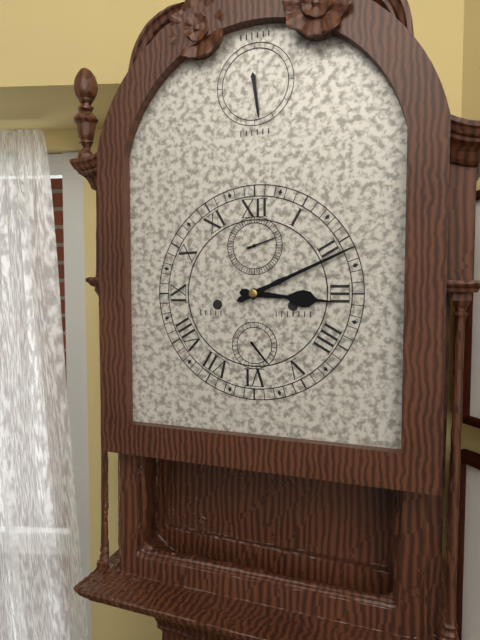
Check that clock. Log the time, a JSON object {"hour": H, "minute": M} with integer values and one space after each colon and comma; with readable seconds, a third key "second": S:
{"hour": 3, "minute": 11}
